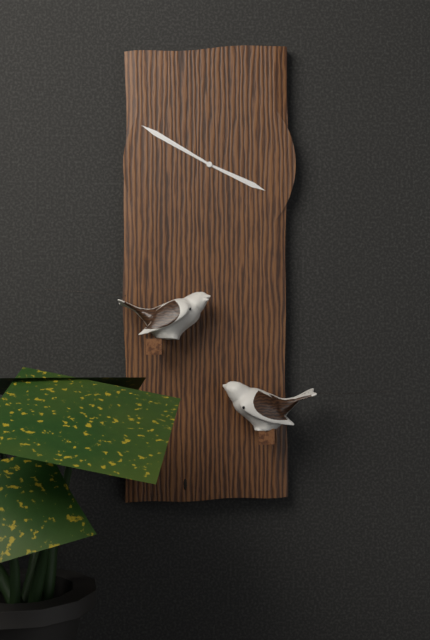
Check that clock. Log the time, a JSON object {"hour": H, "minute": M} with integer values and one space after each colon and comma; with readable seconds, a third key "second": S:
{"hour": 3, "minute": 50, "second": 50}
